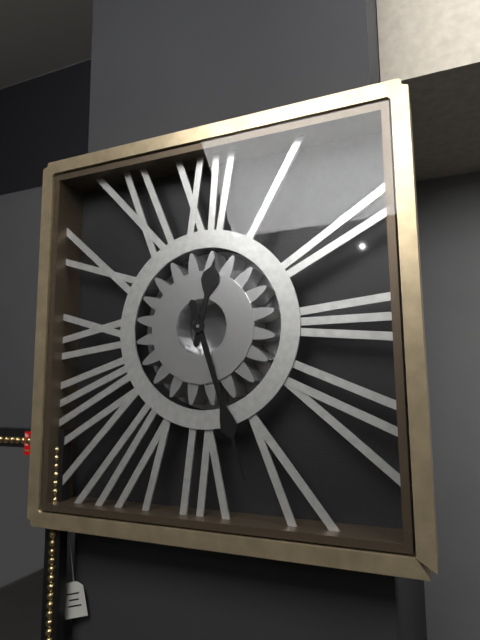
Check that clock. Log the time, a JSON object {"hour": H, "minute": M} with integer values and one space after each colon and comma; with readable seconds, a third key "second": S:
{"hour": 12, "minute": 27}
